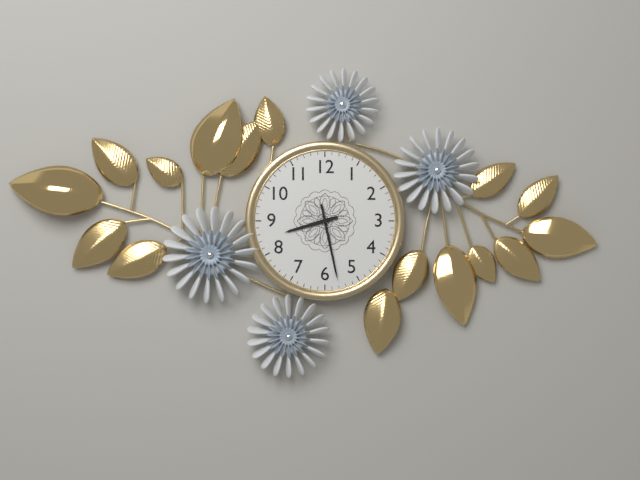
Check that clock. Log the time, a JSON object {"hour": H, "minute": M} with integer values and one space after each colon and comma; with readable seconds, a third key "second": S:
{"hour": 8, "minute": 28}
